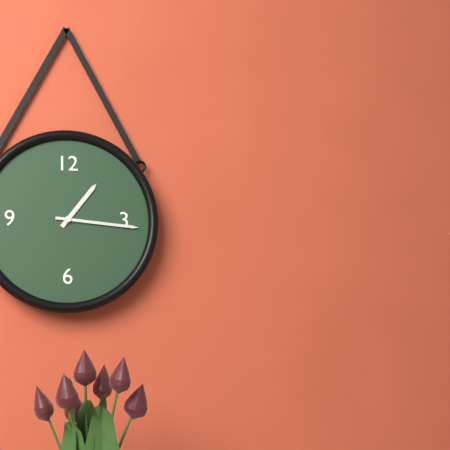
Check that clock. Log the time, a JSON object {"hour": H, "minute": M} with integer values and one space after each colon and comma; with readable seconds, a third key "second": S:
{"hour": 1, "minute": 16}
